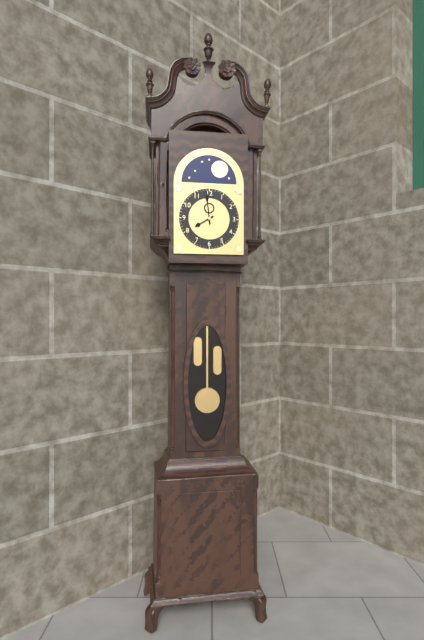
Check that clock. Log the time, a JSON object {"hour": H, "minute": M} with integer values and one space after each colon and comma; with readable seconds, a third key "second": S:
{"hour": 7, "minute": 59}
